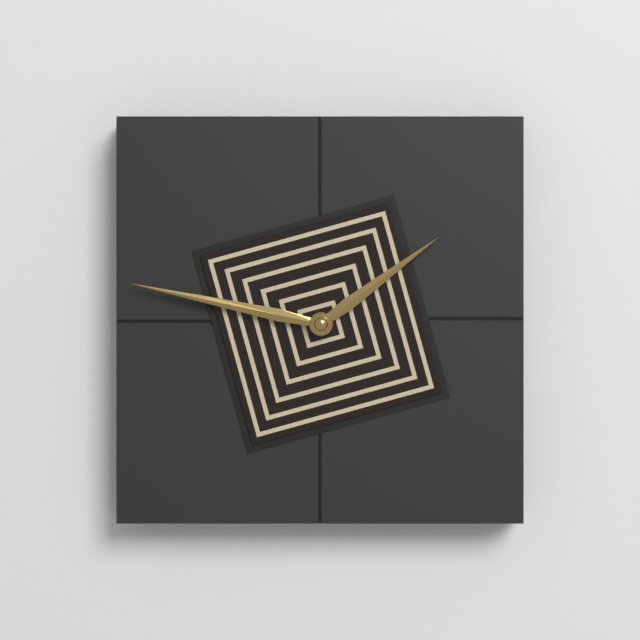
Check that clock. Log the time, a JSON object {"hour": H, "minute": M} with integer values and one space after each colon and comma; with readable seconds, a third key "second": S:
{"hour": 1, "minute": 47}
